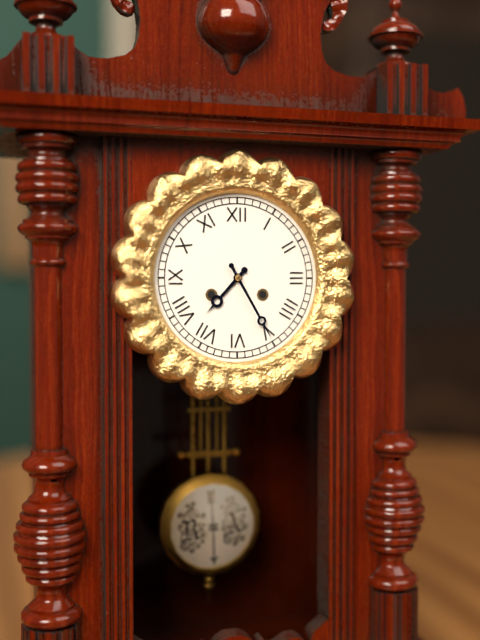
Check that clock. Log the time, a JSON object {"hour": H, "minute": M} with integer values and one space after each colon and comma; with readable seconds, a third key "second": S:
{"hour": 7, "minute": 25}
